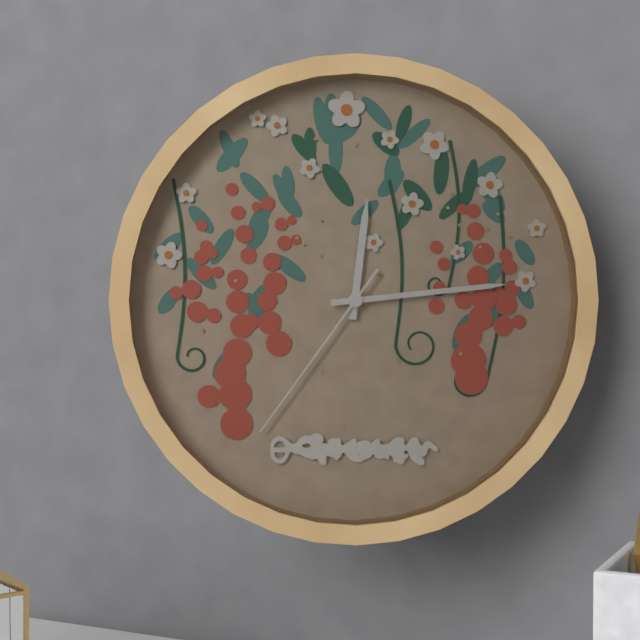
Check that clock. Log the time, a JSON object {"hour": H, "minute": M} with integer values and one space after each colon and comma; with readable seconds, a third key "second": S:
{"hour": 12, "minute": 14, "second": 36}
